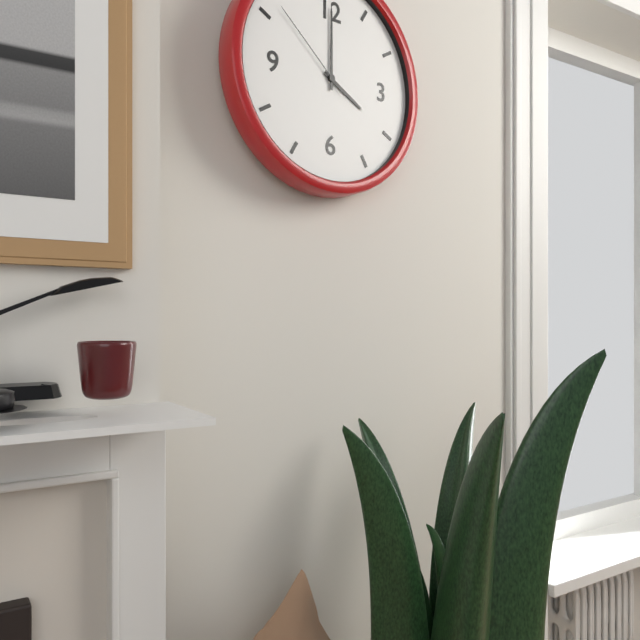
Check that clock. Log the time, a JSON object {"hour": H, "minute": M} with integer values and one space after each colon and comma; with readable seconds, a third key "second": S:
{"hour": 4, "minute": 0, "second": 52}
